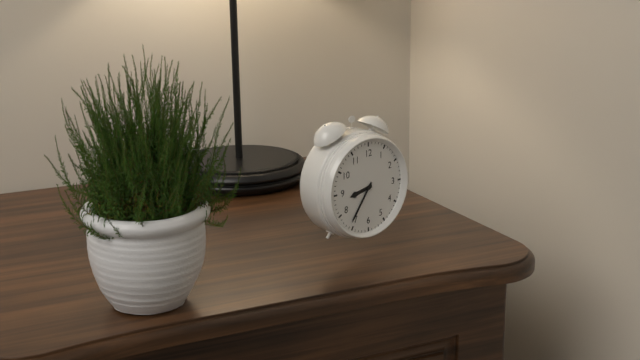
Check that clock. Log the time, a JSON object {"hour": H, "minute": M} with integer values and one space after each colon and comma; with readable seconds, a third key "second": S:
{"hour": 8, "minute": 36}
